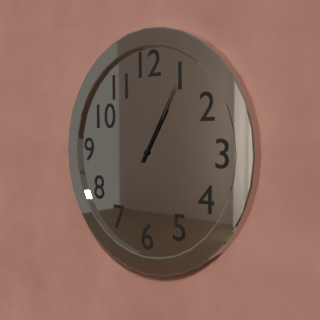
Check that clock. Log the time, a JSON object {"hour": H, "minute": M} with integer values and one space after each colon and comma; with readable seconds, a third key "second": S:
{"hour": 1, "minute": 5}
